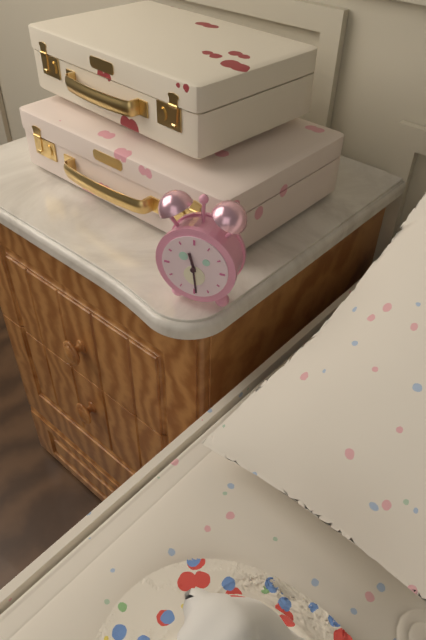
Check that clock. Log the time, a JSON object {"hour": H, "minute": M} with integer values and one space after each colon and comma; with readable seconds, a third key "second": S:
{"hour": 11, "minute": 29}
